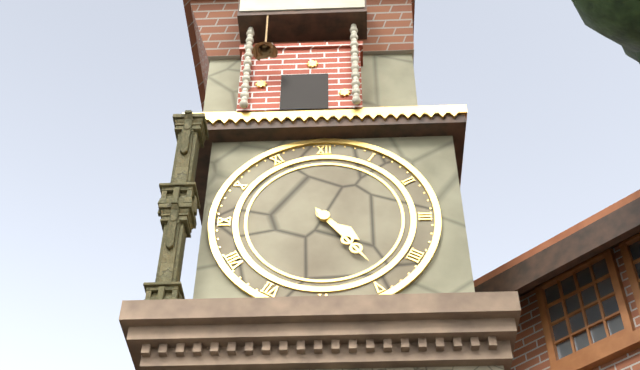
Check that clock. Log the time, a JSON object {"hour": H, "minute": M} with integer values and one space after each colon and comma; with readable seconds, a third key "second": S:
{"hour": 4, "minute": 24}
